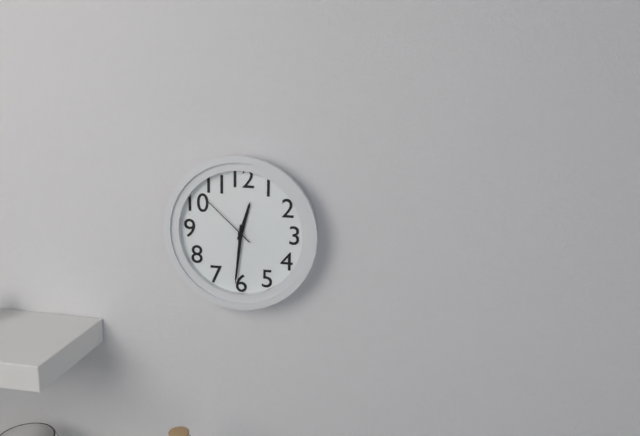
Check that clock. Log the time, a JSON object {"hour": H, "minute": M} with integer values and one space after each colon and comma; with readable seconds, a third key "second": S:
{"hour": 12, "minute": 31, "second": 52}
